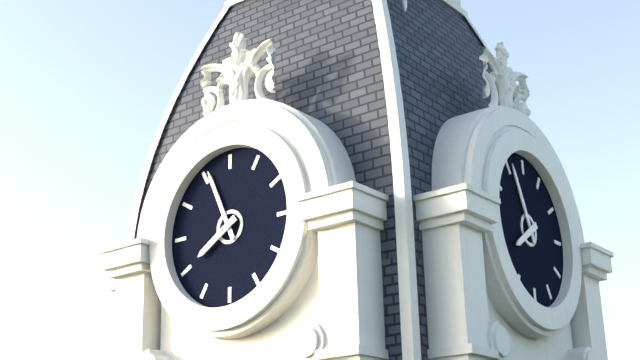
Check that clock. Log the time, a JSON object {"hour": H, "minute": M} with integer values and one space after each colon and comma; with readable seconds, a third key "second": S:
{"hour": 7, "minute": 56}
